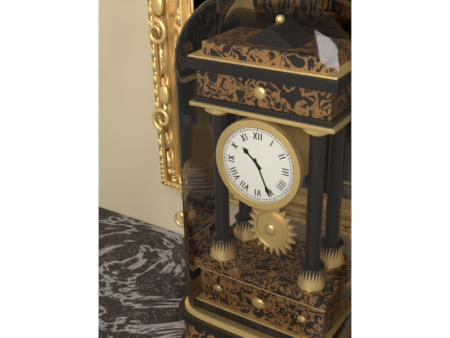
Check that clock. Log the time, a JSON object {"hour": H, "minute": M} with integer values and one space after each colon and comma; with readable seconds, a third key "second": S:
{"hour": 10, "minute": 26}
